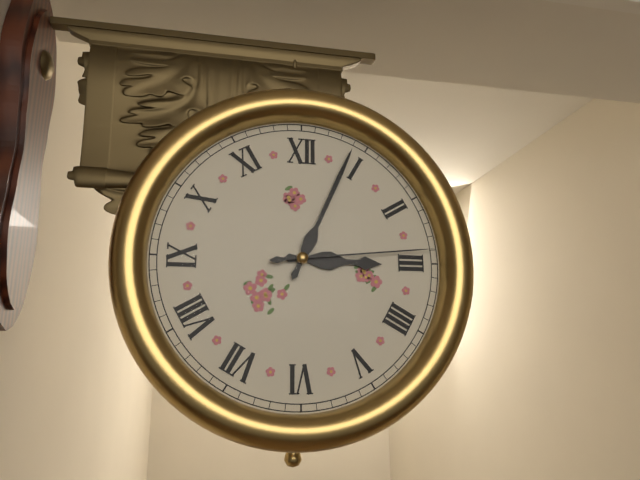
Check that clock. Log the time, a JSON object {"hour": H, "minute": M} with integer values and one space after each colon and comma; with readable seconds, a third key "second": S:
{"hour": 3, "minute": 4, "second": 14}
